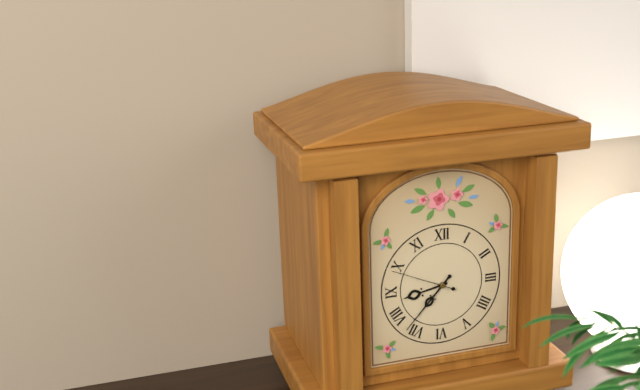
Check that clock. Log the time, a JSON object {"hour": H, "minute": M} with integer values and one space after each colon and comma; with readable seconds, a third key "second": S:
{"hour": 8, "minute": 37}
